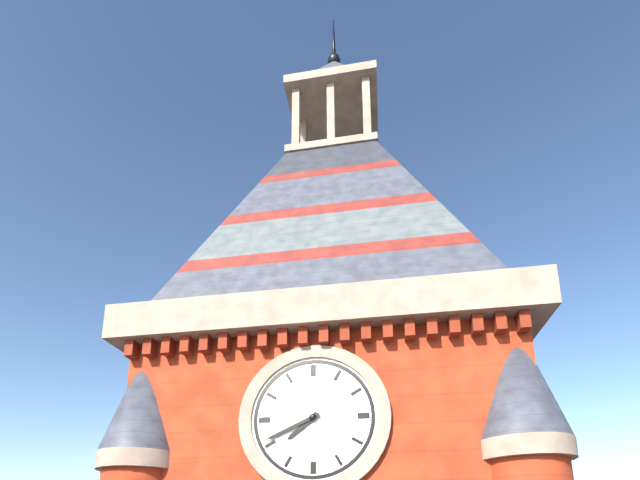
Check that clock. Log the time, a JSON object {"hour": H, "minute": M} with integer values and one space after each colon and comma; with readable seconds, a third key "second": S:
{"hour": 7, "minute": 41}
